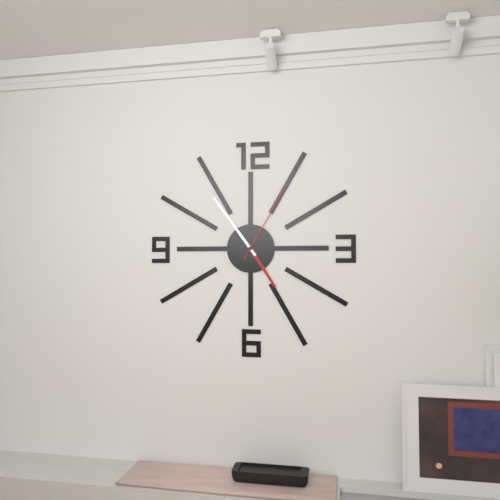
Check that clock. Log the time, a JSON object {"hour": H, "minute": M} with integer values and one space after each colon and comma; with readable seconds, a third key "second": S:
{"hour": 4, "minute": 54, "second": 5}
